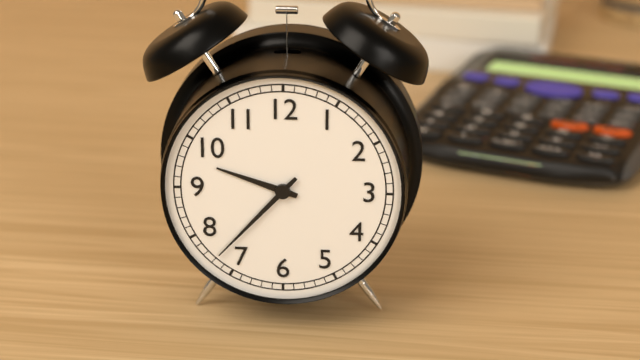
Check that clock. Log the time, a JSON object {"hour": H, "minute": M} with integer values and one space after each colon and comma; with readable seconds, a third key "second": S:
{"hour": 9, "minute": 37}
